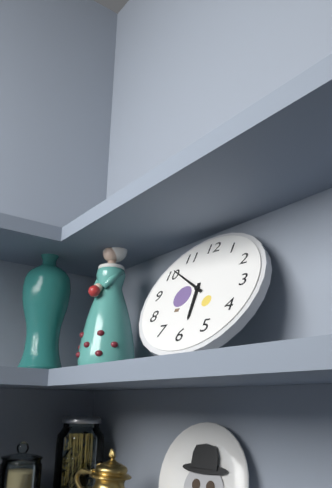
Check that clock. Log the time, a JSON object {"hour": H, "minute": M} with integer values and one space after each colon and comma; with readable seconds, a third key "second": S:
{"hour": 5, "minute": 51}
